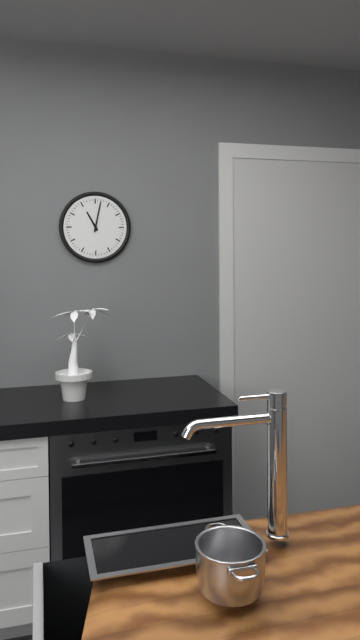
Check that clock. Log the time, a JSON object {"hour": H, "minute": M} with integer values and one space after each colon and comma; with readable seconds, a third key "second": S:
{"hour": 11, "minute": 2}
